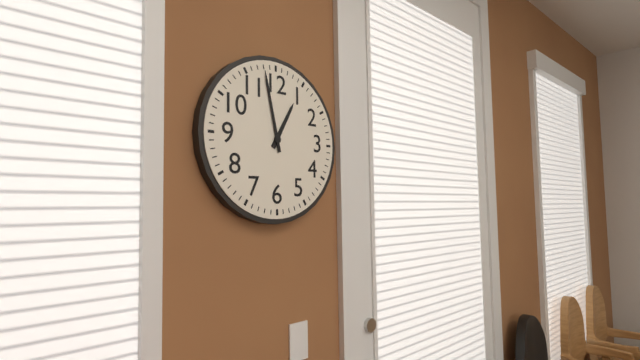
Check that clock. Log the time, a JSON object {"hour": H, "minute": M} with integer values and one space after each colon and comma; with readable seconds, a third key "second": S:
{"hour": 12, "minute": 58}
